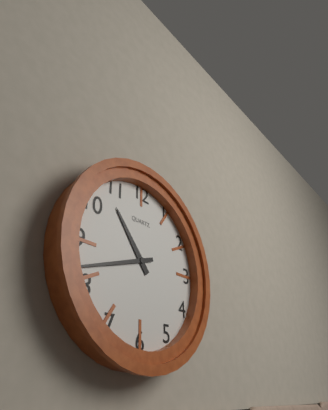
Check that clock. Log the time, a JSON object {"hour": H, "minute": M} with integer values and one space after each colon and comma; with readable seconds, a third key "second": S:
{"hour": 10, "minute": 42}
